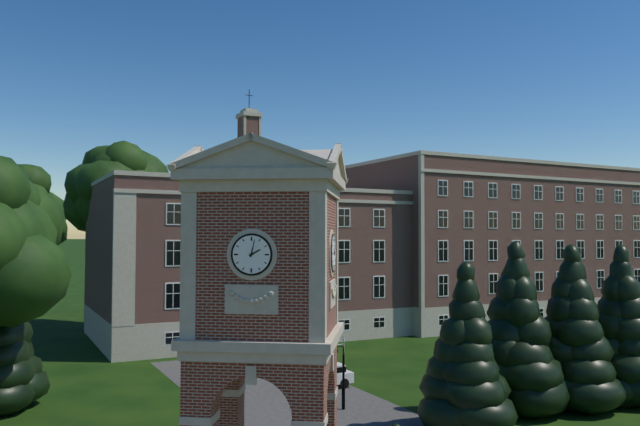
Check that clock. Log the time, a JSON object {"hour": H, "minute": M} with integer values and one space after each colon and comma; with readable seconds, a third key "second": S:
{"hour": 2, "minute": 2}
